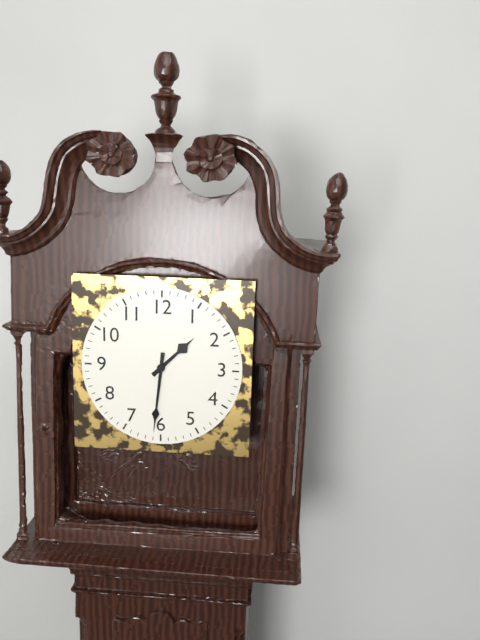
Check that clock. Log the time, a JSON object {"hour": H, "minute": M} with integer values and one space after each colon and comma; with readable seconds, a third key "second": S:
{"hour": 1, "minute": 31}
